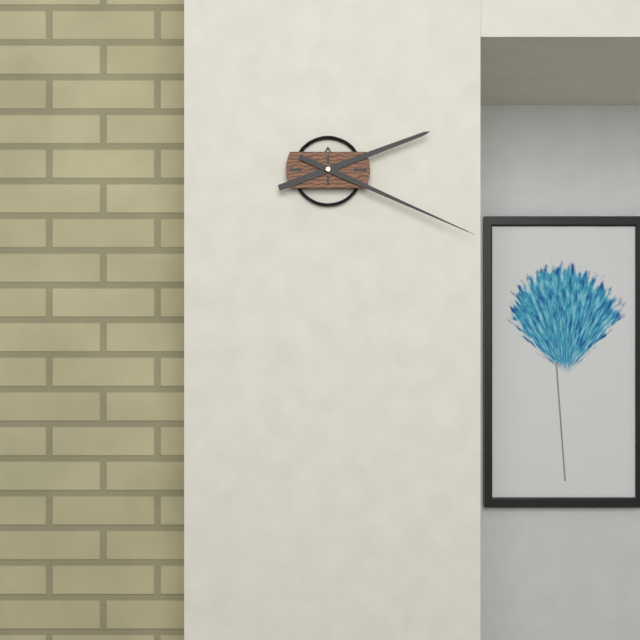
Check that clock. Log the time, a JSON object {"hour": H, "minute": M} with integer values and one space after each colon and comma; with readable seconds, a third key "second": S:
{"hour": 2, "minute": 19}
